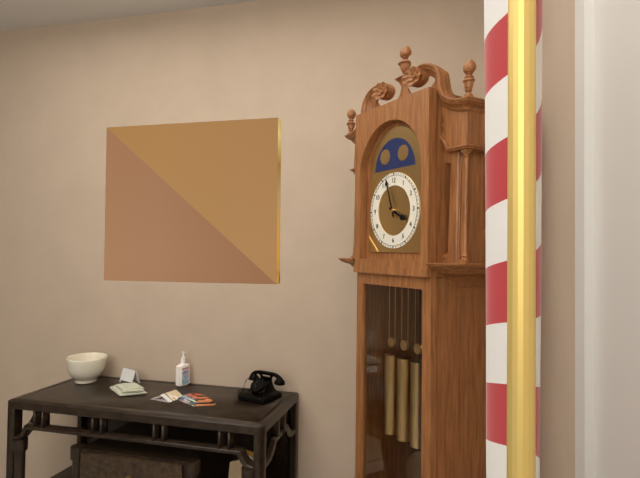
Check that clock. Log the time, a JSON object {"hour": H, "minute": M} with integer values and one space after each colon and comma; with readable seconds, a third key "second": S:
{"hour": 3, "minute": 57}
